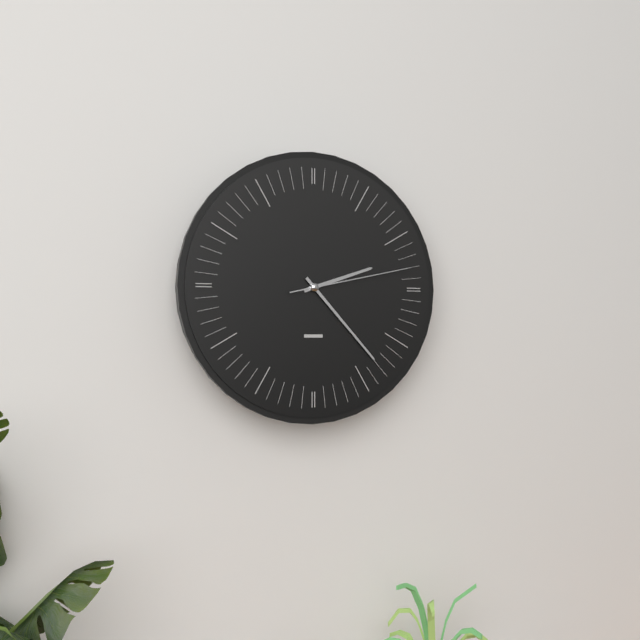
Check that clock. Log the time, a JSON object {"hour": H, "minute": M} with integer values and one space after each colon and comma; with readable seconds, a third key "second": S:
{"hour": 2, "minute": 23, "second": 13}
